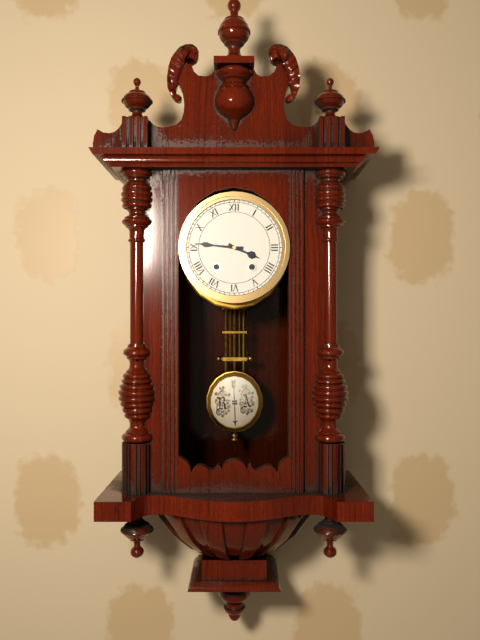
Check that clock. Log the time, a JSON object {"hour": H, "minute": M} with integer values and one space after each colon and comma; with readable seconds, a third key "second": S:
{"hour": 3, "minute": 46}
